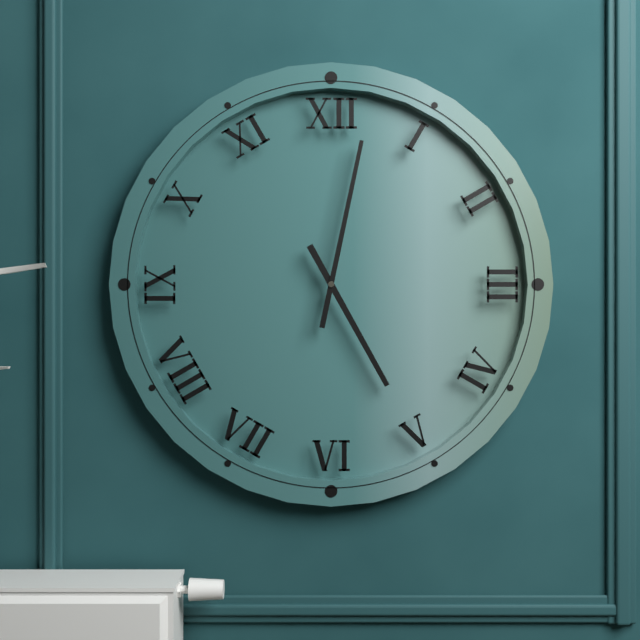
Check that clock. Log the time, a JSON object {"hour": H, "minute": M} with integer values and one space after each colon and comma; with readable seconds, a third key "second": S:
{"hour": 5, "minute": 2}
